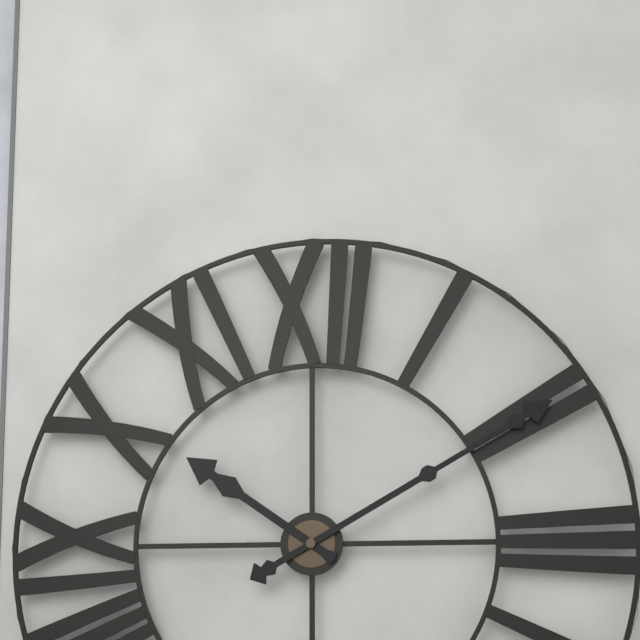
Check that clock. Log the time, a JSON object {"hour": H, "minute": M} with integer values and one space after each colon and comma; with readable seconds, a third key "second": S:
{"hour": 10, "minute": 10}
